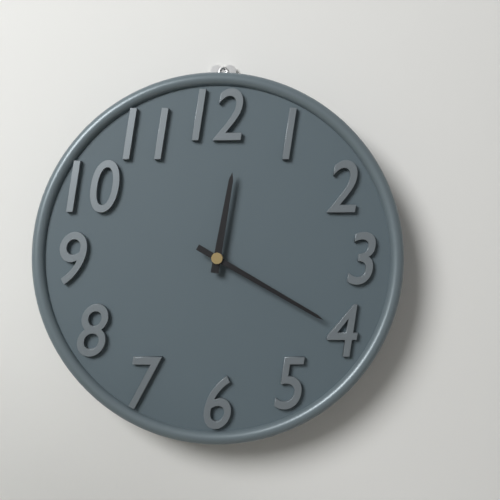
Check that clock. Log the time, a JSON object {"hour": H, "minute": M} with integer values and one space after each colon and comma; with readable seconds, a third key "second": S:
{"hour": 12, "minute": 20}
